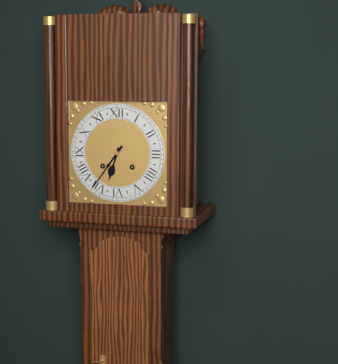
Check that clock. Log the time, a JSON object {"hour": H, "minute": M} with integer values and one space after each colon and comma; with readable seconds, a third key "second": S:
{"hour": 6, "minute": 36}
